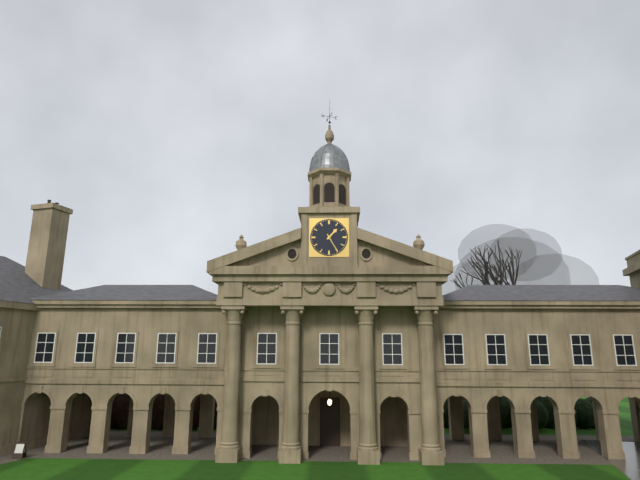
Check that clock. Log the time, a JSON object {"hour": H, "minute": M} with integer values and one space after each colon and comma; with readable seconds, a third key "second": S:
{"hour": 1, "minute": 25}
